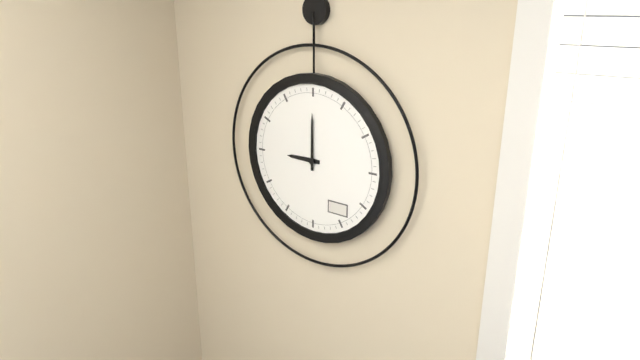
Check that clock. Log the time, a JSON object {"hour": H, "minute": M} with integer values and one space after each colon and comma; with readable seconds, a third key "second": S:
{"hour": 9, "minute": 0}
